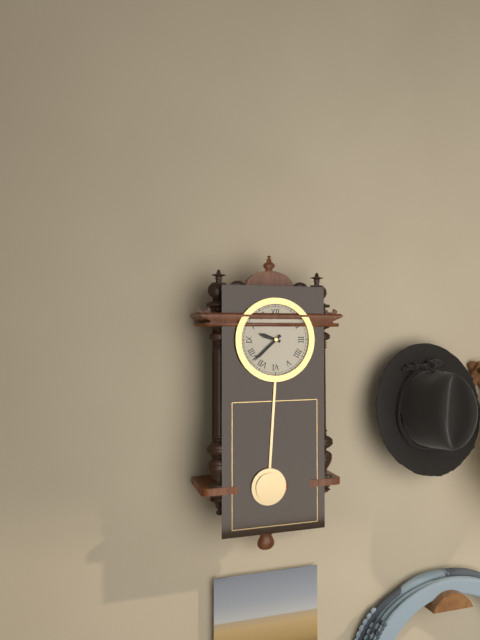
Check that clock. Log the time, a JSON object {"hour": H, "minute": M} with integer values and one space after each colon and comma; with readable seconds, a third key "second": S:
{"hour": 9, "minute": 38}
